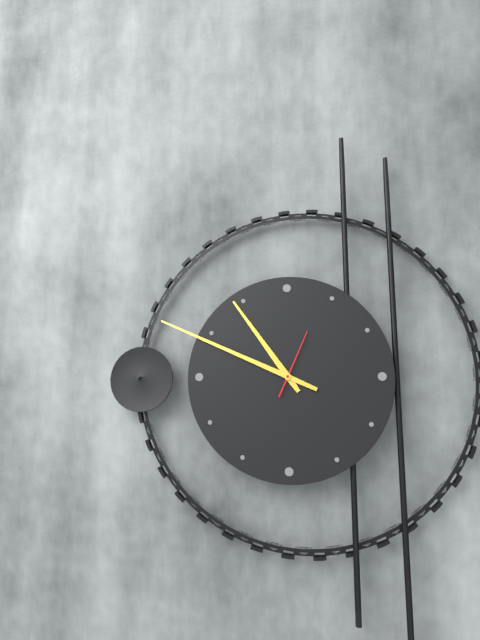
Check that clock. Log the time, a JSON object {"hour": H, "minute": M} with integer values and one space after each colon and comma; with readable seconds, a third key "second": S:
{"hour": 10, "minute": 49, "second": 4}
